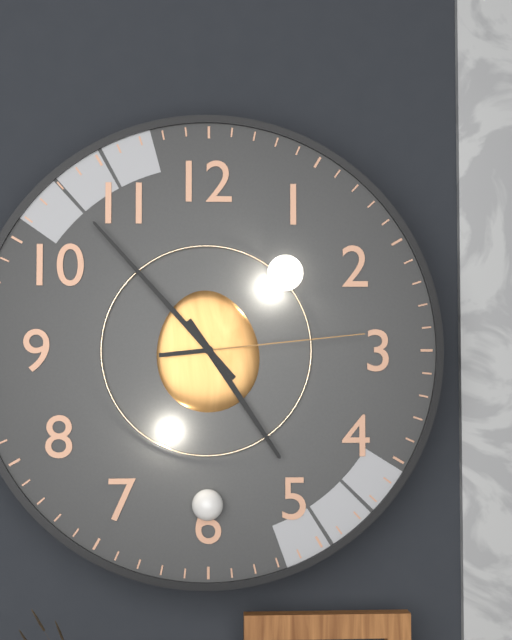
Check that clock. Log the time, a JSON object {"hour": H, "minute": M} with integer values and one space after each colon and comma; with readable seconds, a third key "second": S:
{"hour": 4, "minute": 53, "second": 14}
